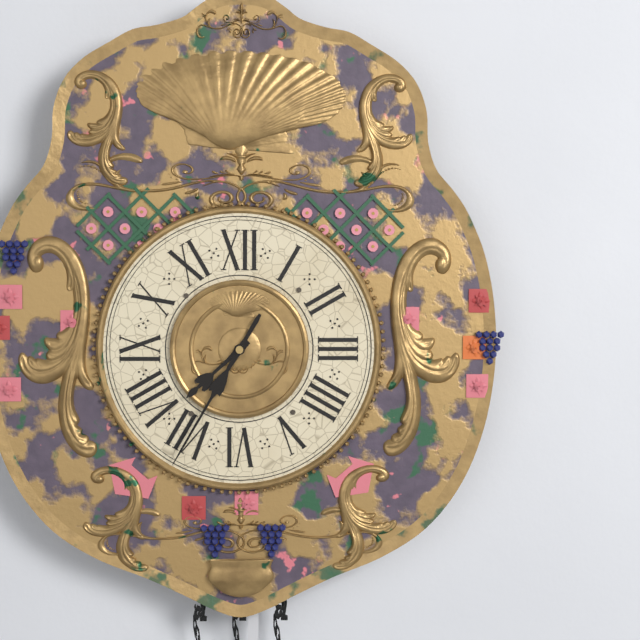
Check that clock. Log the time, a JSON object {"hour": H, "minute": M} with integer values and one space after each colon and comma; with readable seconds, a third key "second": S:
{"hour": 7, "minute": 35}
